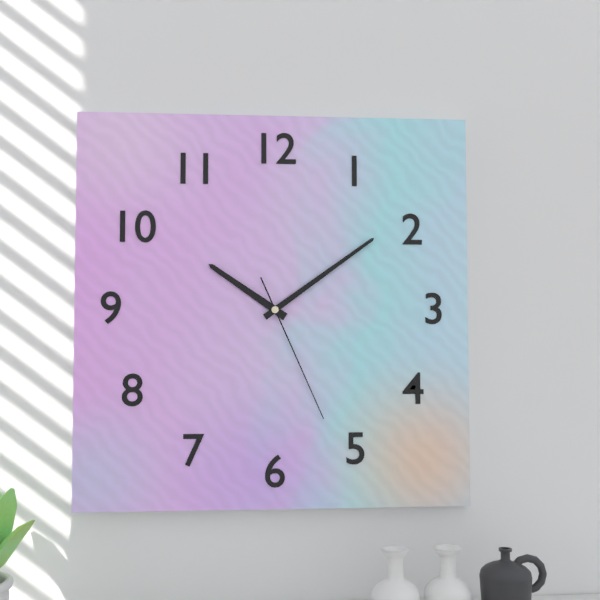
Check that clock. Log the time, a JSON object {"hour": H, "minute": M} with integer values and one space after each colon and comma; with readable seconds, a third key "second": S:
{"hour": 10, "minute": 9, "second": 26}
